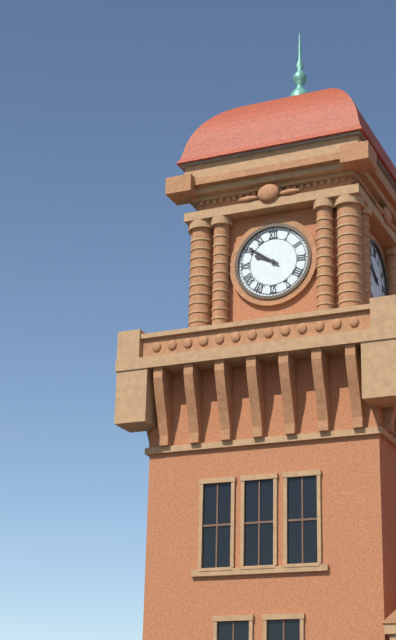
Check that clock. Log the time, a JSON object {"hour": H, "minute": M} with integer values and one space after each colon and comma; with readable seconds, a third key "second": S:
{"hour": 9, "minute": 51}
